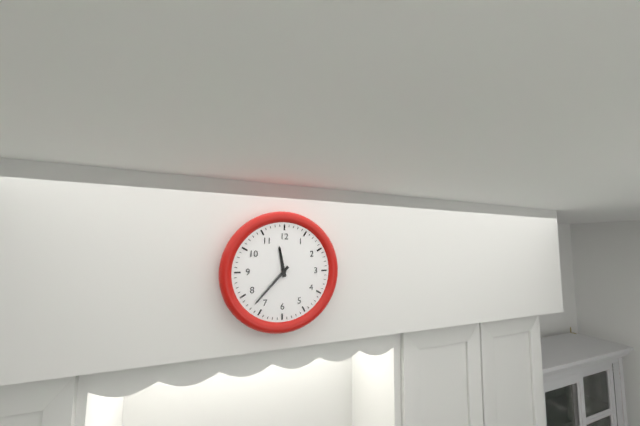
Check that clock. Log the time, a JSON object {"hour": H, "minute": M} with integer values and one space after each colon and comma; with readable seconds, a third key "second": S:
{"hour": 11, "minute": 37}
